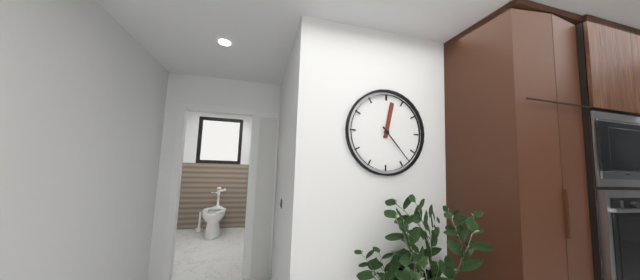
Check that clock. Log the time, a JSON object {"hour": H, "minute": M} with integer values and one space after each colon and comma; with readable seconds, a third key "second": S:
{"hour": 12, "minute": 23}
